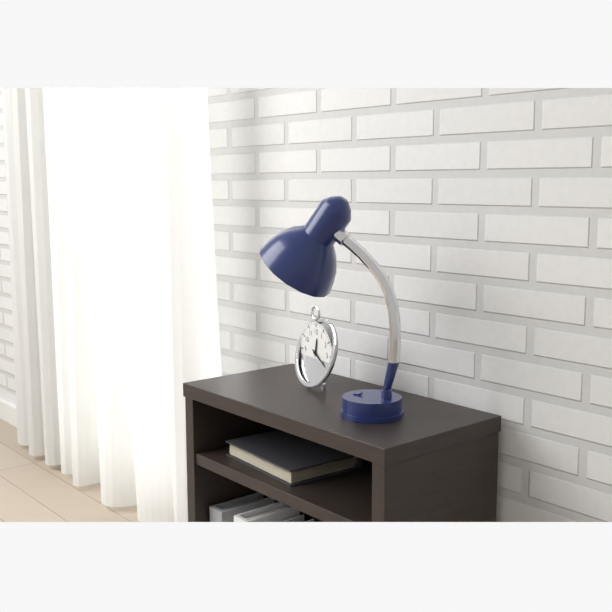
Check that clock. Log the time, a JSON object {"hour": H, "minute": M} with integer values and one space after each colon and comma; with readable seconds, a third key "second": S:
{"hour": 12, "minute": 20}
